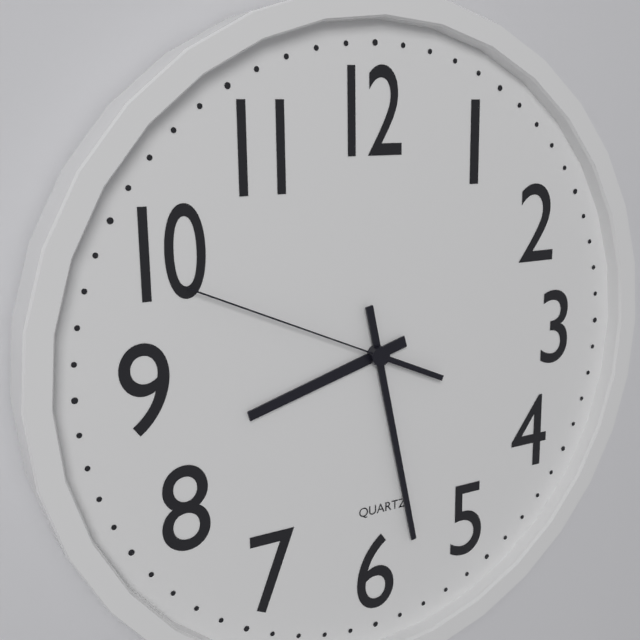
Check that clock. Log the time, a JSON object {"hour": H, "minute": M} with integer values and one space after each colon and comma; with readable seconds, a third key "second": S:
{"hour": 8, "minute": 28, "second": 49}
